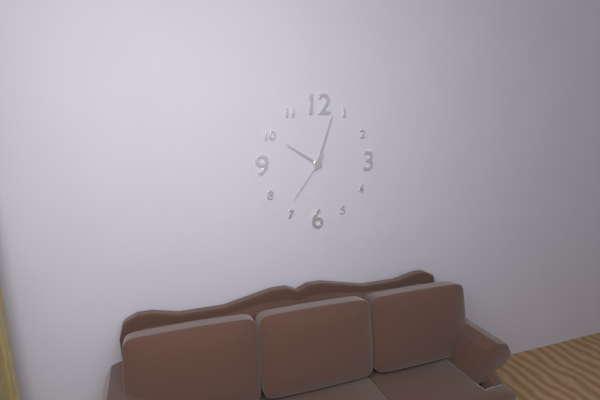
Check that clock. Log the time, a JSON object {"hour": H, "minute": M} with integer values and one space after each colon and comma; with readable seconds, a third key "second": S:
{"hour": 10, "minute": 3, "second": 36}
